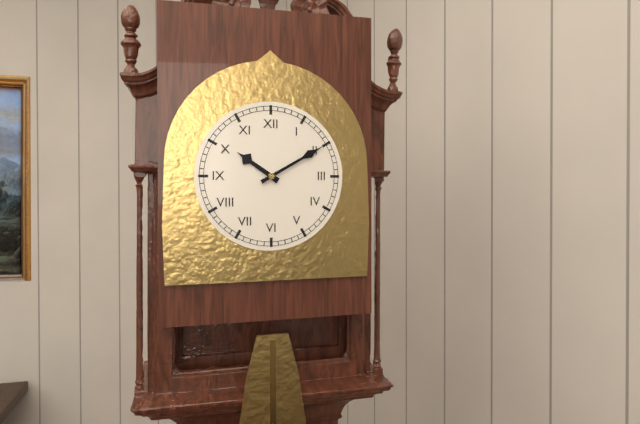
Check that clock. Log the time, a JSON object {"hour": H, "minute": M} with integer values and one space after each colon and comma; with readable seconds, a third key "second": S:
{"hour": 10, "minute": 10}
